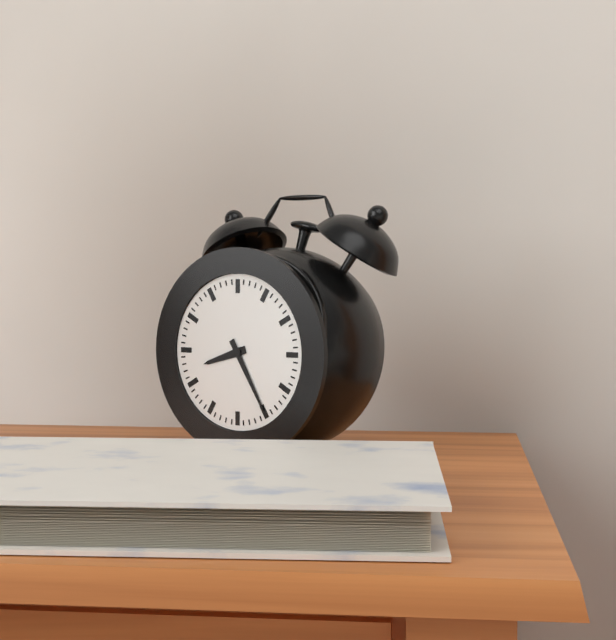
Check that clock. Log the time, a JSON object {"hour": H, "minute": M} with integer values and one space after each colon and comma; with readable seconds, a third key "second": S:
{"hour": 8, "minute": 25}
